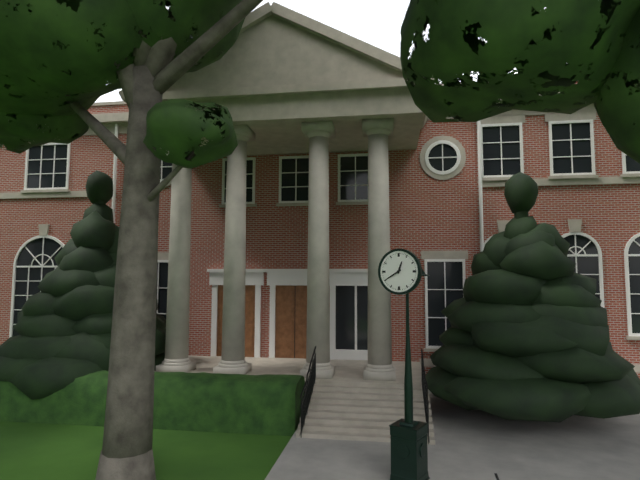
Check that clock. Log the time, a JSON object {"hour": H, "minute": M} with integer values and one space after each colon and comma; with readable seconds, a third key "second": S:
{"hour": 12, "minute": 40}
